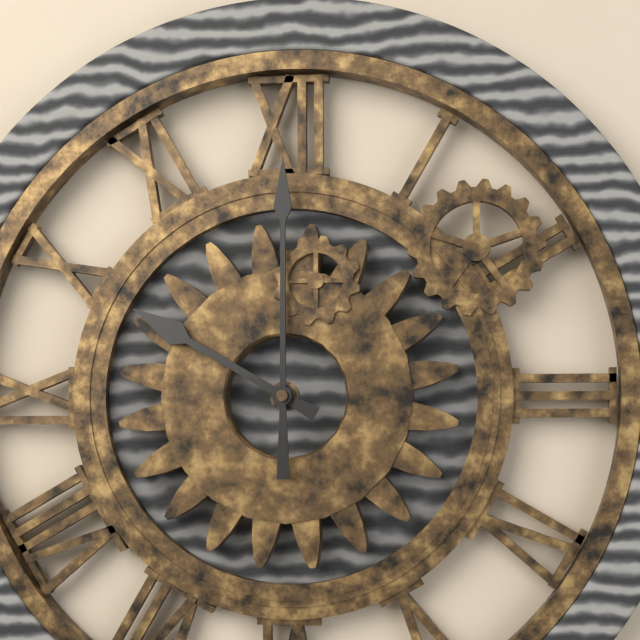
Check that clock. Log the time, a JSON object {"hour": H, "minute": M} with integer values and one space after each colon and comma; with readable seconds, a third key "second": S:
{"hour": 10, "minute": 0}
